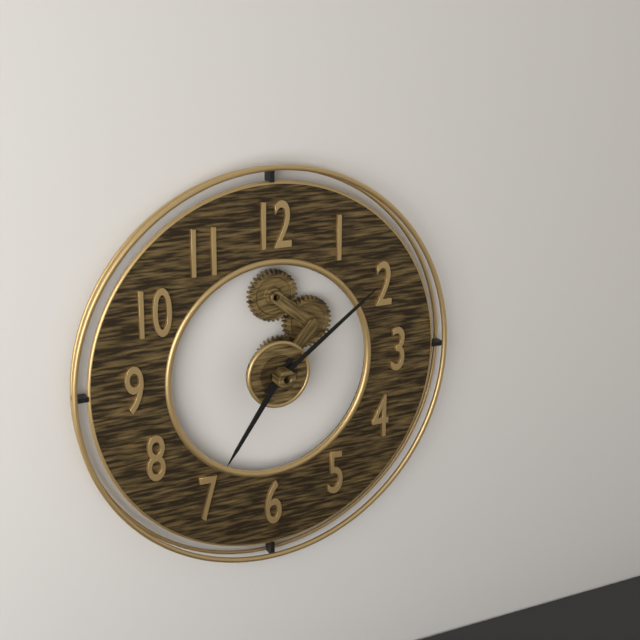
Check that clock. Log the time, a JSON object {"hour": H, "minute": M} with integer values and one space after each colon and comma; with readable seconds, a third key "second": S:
{"hour": 7, "minute": 9}
